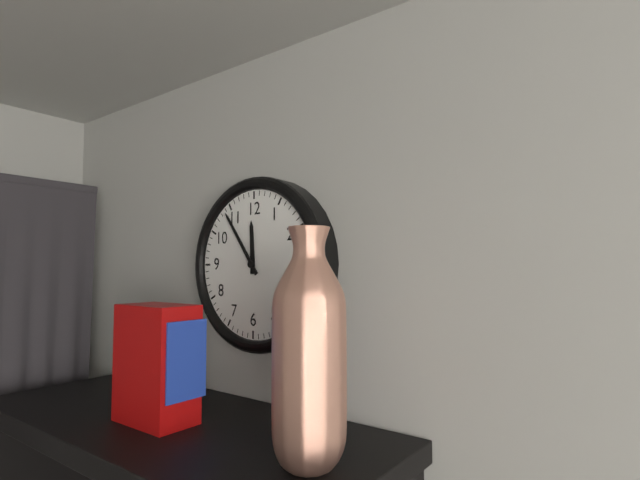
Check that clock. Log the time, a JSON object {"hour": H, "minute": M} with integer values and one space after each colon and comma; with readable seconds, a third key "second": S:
{"hour": 11, "minute": 54}
